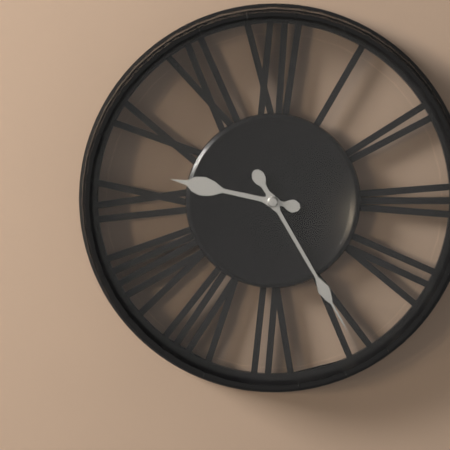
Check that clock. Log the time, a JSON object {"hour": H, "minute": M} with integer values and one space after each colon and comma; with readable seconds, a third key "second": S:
{"hour": 9, "minute": 25}
